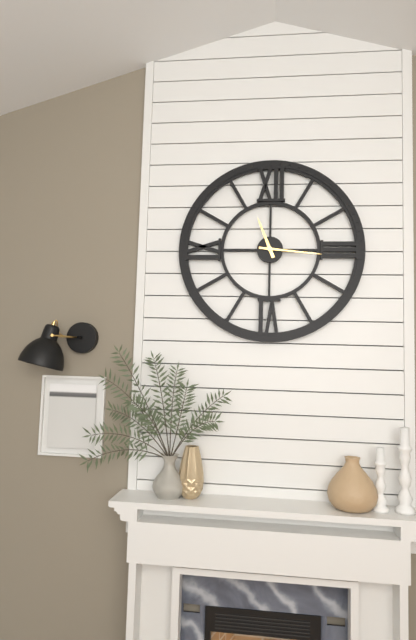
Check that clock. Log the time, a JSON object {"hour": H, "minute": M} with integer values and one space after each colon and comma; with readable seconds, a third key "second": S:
{"hour": 11, "minute": 16}
